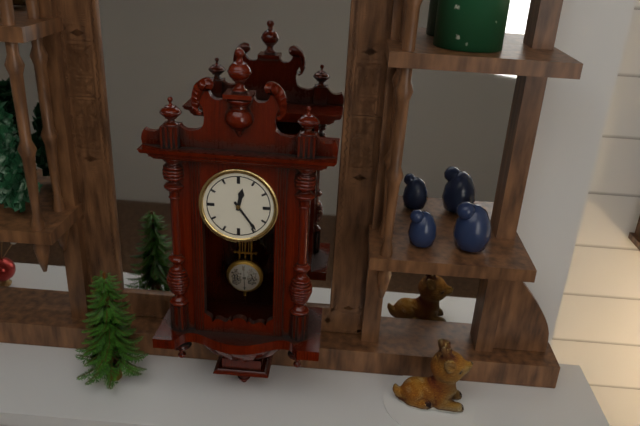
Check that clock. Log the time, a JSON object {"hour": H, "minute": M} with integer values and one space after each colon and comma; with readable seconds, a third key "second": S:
{"hour": 12, "minute": 24}
